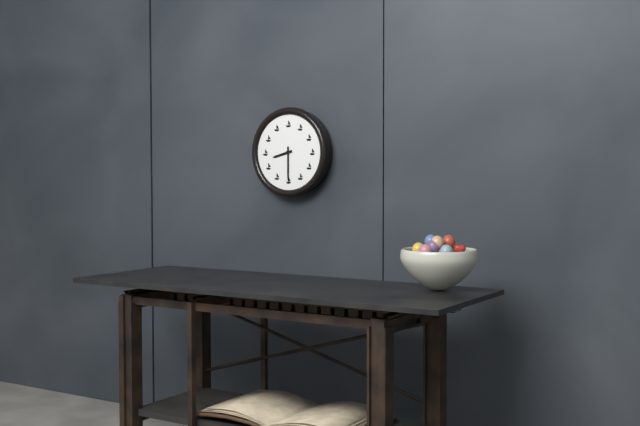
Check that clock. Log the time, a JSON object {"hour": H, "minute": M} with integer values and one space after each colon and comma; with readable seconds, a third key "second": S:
{"hour": 8, "minute": 30}
